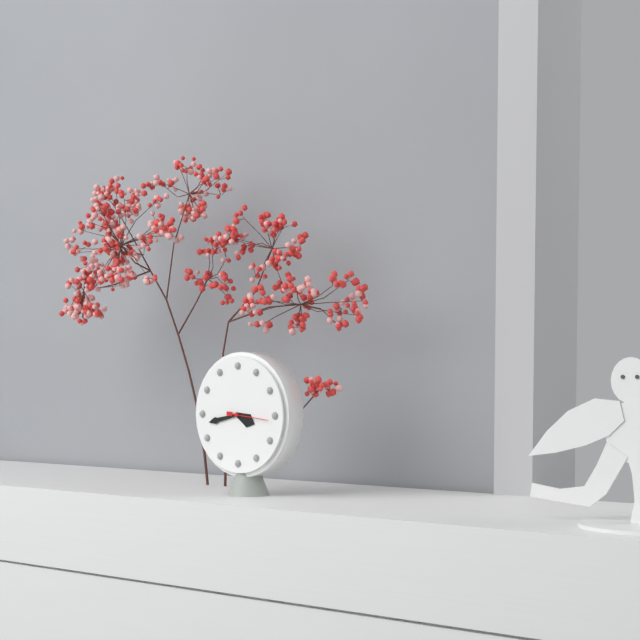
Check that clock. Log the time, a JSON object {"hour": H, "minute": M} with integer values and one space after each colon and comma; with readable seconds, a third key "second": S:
{"hour": 3, "minute": 43}
